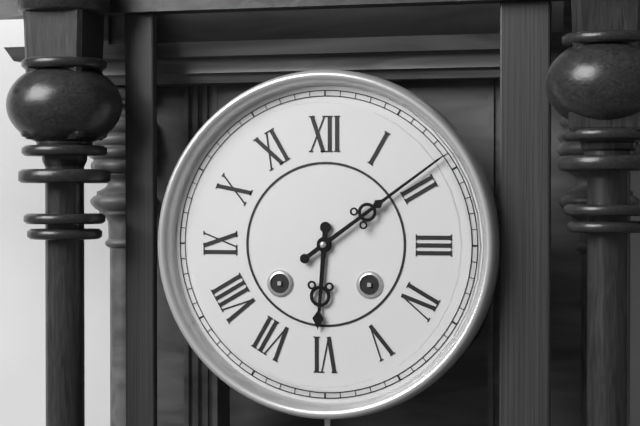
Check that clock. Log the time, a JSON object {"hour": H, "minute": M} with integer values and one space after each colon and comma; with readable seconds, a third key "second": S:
{"hour": 6, "minute": 9}
